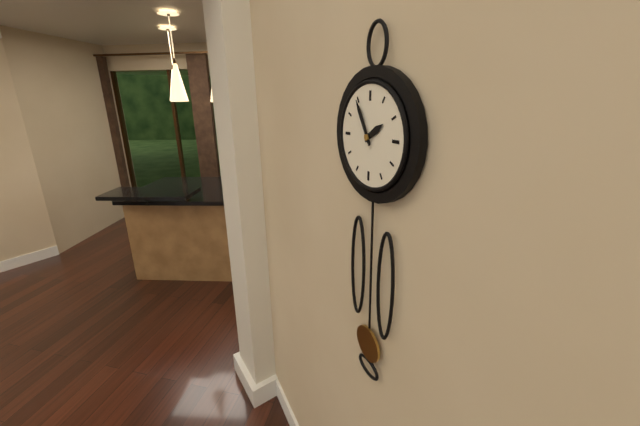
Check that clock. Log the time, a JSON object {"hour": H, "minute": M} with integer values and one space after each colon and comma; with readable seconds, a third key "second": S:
{"hour": 1, "minute": 55}
